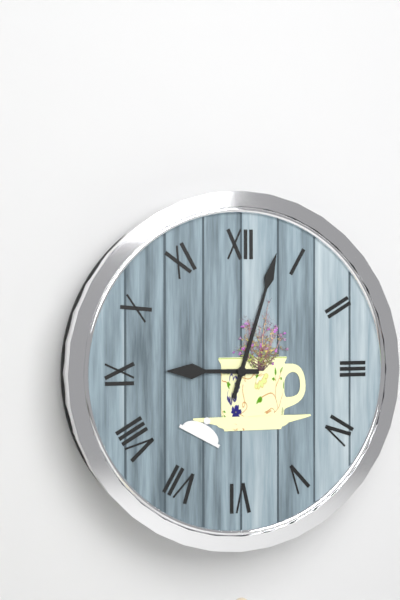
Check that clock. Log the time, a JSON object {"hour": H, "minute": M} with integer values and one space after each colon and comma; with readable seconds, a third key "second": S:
{"hour": 9, "minute": 3}
